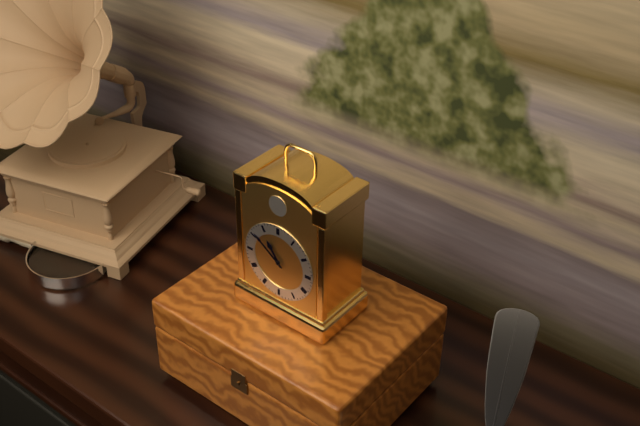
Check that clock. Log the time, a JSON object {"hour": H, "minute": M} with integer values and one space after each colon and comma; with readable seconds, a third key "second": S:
{"hour": 10, "minute": 51}
